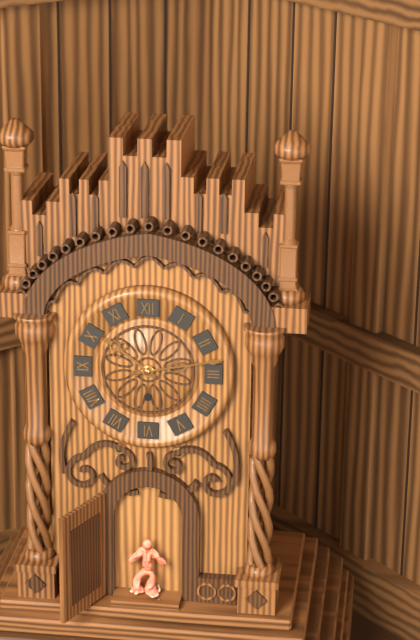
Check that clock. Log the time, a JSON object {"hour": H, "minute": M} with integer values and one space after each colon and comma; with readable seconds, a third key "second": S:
{"hour": 10, "minute": 13}
